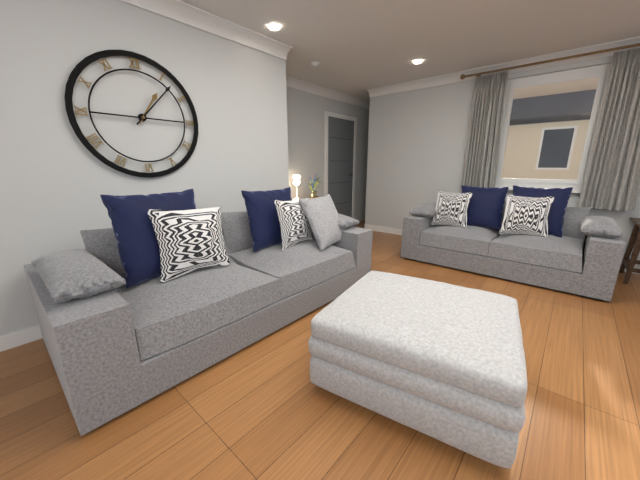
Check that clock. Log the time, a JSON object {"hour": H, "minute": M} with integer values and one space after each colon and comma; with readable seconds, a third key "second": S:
{"hour": 1, "minute": 7}
